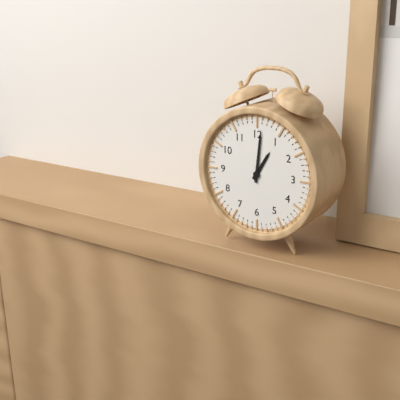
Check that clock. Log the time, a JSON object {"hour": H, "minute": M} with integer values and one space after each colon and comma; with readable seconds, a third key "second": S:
{"hour": 1, "minute": 1}
